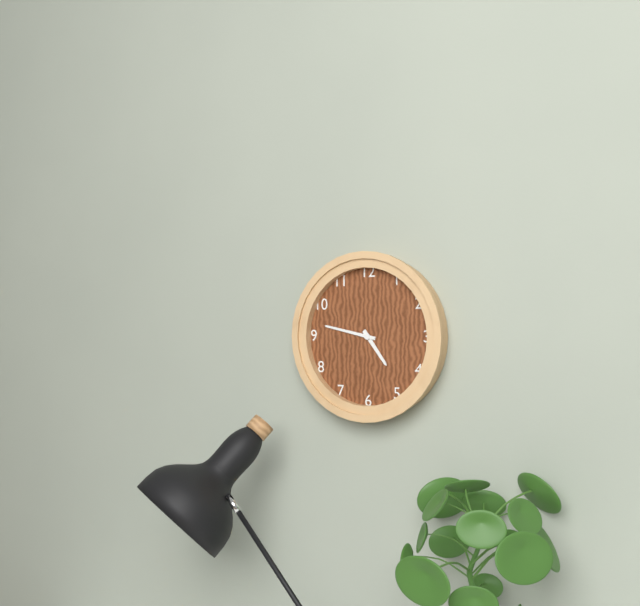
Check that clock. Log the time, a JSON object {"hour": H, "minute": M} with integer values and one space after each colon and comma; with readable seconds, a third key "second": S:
{"hour": 4, "minute": 47}
